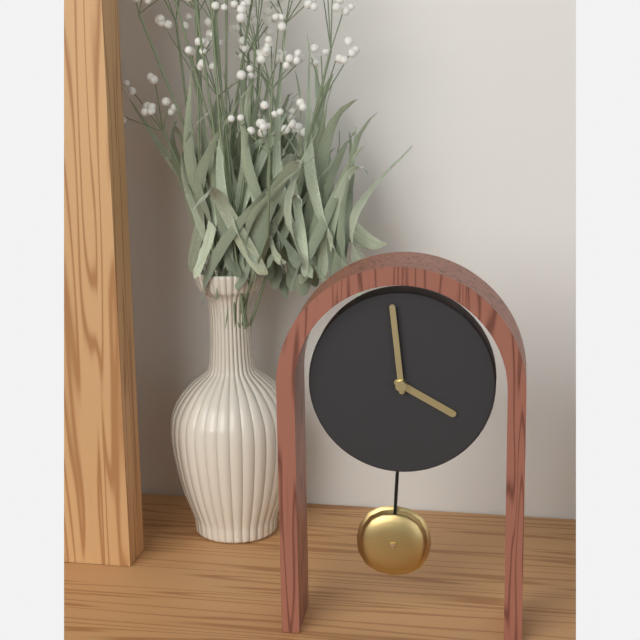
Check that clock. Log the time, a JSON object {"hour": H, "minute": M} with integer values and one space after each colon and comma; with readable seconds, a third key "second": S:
{"hour": 3, "minute": 59}
